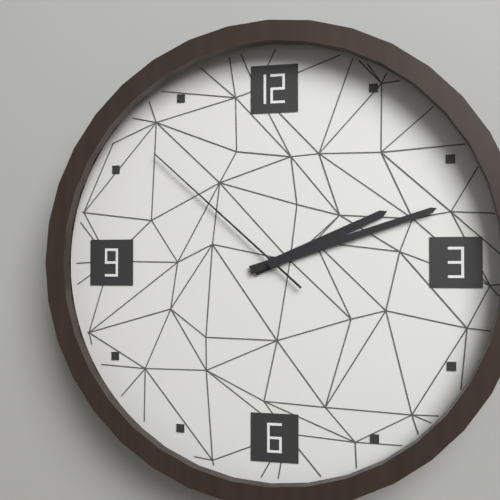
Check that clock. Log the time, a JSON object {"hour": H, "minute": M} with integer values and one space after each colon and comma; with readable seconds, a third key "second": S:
{"hour": 2, "minute": 12, "second": 52}
